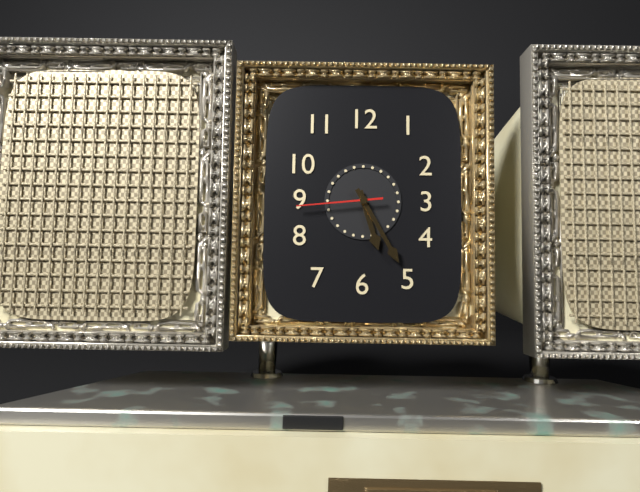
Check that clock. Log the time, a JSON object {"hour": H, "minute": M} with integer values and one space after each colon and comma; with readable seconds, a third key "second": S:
{"hour": 5, "minute": 25, "second": 44}
